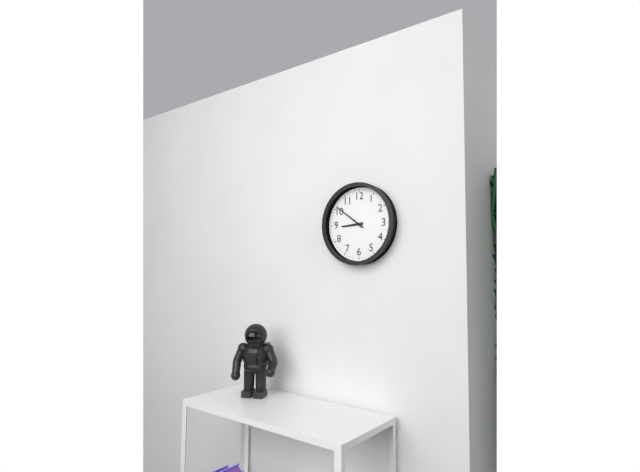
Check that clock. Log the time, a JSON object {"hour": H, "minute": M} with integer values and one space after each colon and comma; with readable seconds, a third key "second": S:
{"hour": 8, "minute": 51}
